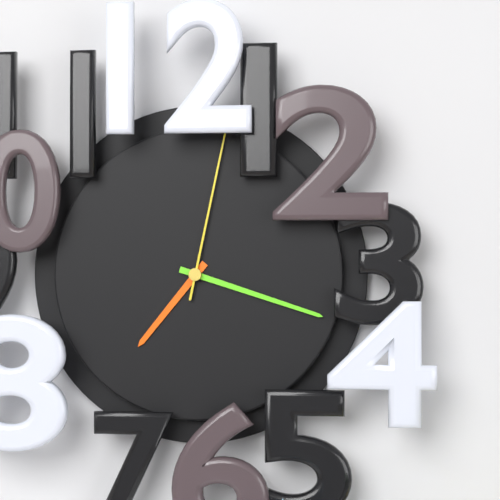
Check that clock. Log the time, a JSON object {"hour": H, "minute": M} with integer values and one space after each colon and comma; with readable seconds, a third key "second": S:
{"hour": 7, "minute": 18, "second": 2}
